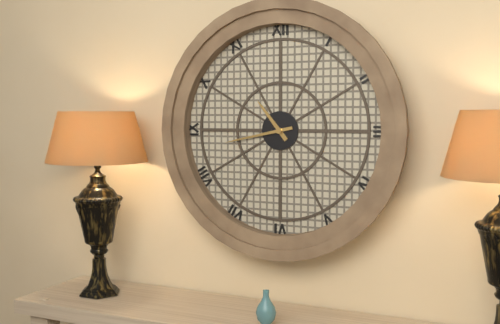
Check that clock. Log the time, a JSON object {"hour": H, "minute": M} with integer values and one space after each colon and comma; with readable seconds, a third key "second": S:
{"hour": 10, "minute": 43}
